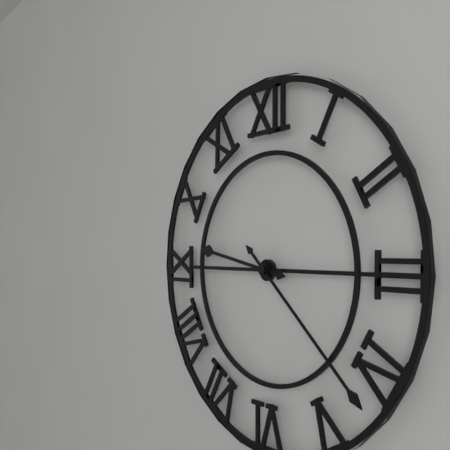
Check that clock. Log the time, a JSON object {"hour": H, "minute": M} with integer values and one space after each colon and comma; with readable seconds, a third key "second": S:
{"hour": 9, "minute": 22}
